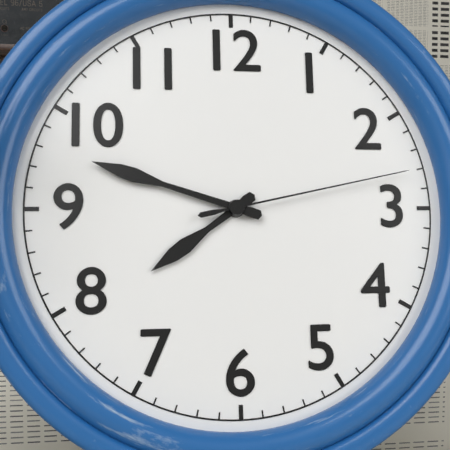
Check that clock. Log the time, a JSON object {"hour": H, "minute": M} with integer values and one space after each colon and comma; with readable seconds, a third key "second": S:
{"hour": 7, "minute": 48, "second": 13}
